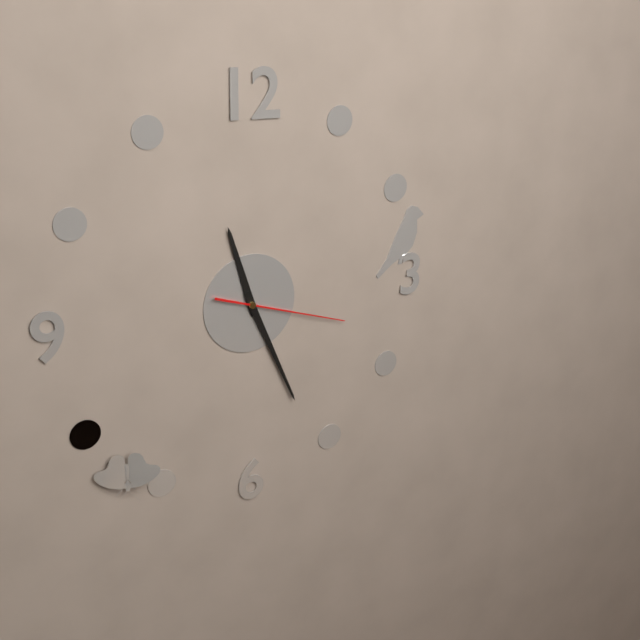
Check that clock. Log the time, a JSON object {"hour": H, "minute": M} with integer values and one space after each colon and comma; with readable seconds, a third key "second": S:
{"hour": 11, "minute": 26, "second": 18}
